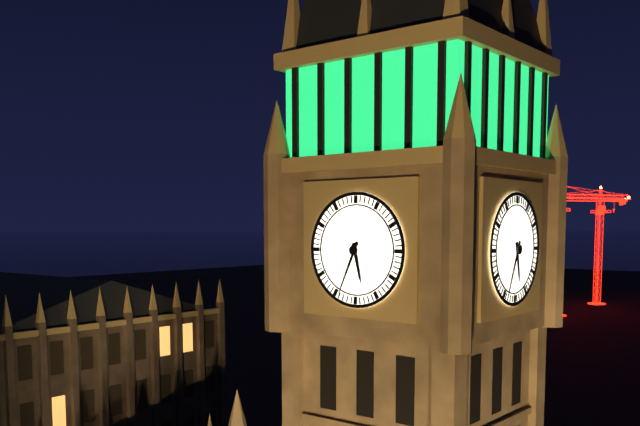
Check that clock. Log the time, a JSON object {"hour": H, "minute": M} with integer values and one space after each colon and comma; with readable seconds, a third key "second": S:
{"hour": 5, "minute": 34}
